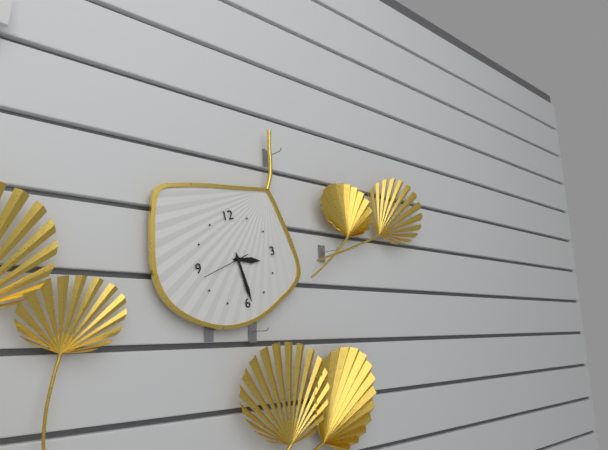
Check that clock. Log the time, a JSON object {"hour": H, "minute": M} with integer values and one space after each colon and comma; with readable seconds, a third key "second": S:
{"hour": 3, "minute": 29}
